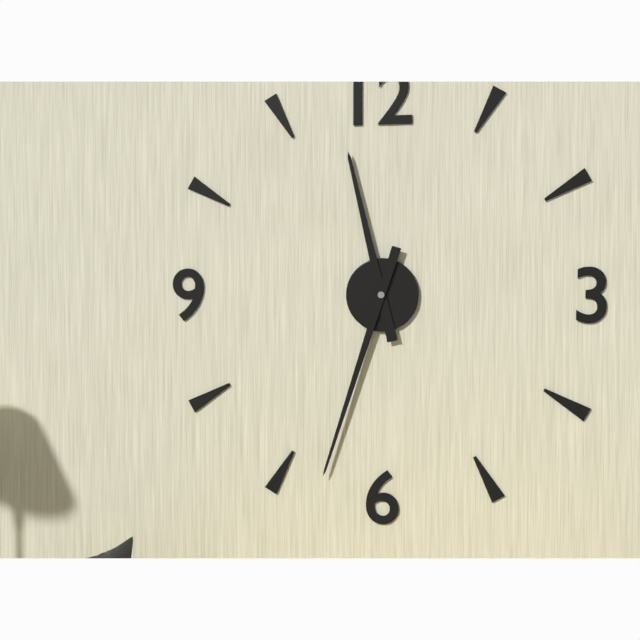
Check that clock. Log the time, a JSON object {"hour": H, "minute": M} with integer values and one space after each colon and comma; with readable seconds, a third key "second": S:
{"hour": 11, "minute": 33}
